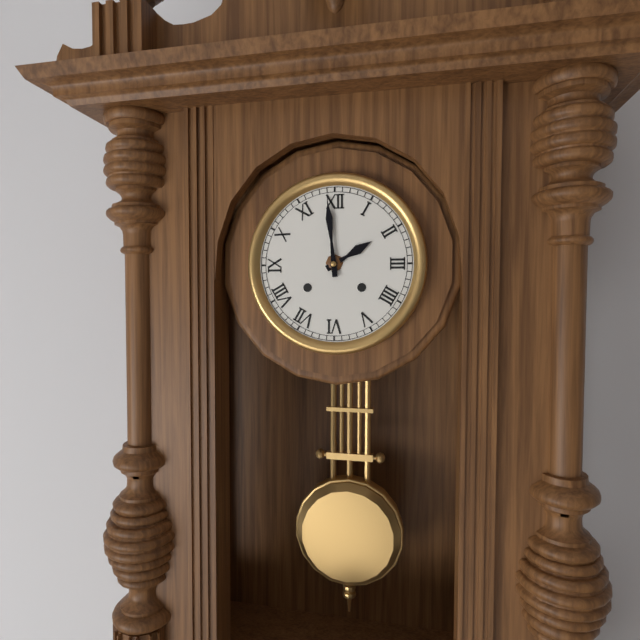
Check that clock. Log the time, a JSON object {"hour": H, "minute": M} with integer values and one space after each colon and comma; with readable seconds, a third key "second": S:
{"hour": 1, "minute": 59}
